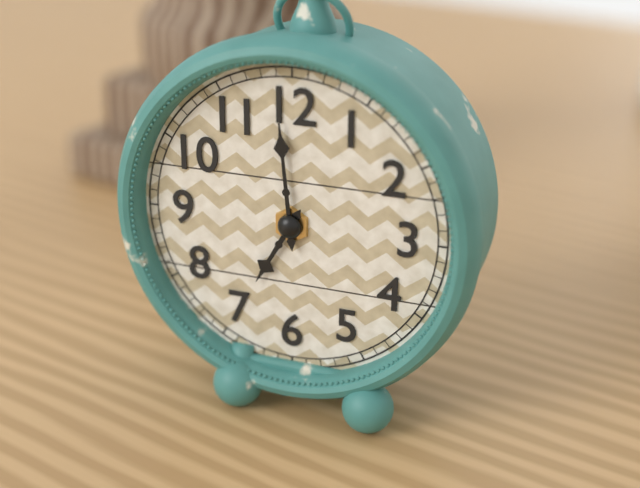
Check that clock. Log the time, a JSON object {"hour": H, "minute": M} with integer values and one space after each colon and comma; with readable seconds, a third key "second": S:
{"hour": 6, "minute": 59}
